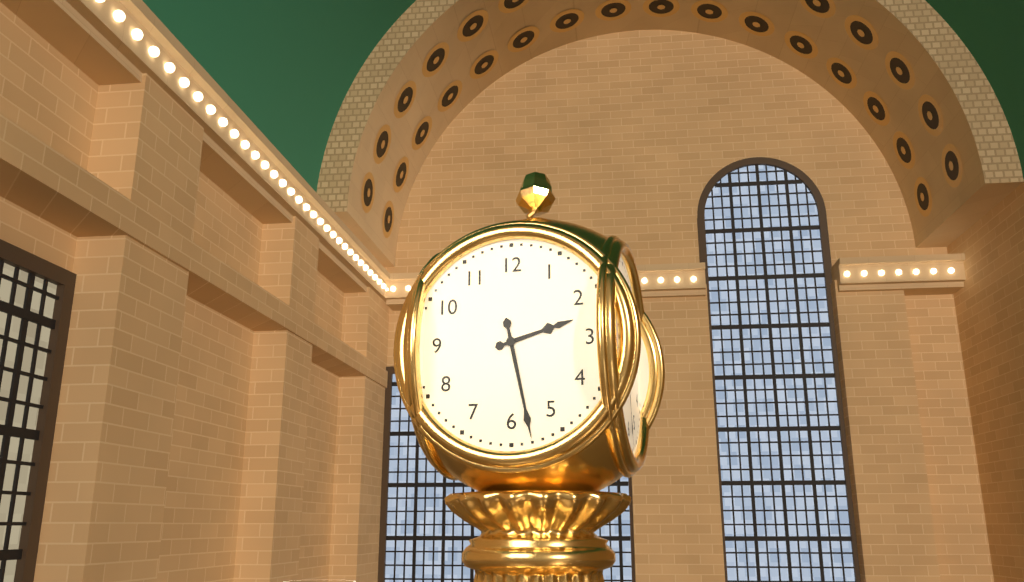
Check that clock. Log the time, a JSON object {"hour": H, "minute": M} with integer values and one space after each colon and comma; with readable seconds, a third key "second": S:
{"hour": 2, "minute": 28}
